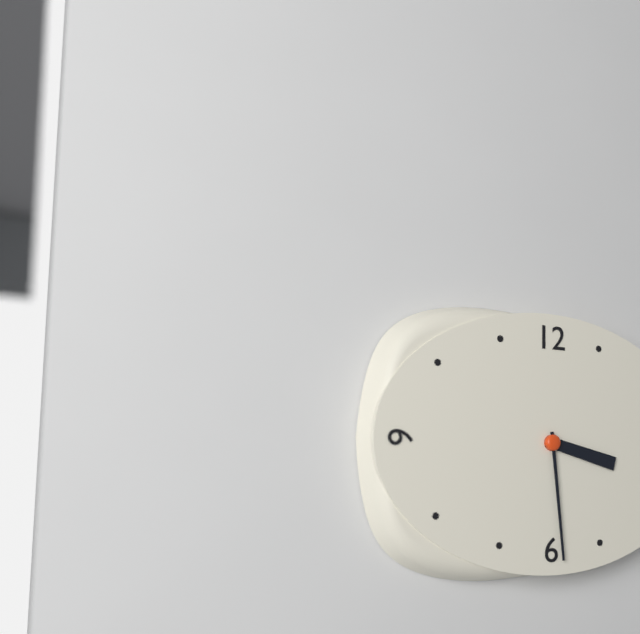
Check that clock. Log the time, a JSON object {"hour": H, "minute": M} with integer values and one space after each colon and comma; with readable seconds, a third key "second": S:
{"hour": 3, "minute": 29}
